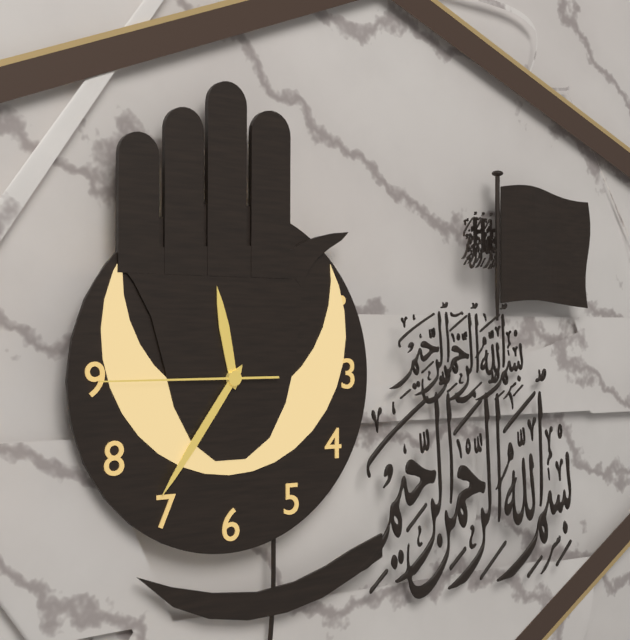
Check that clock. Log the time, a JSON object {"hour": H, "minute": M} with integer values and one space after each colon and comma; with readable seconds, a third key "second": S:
{"hour": 11, "minute": 36, "second": 45}
